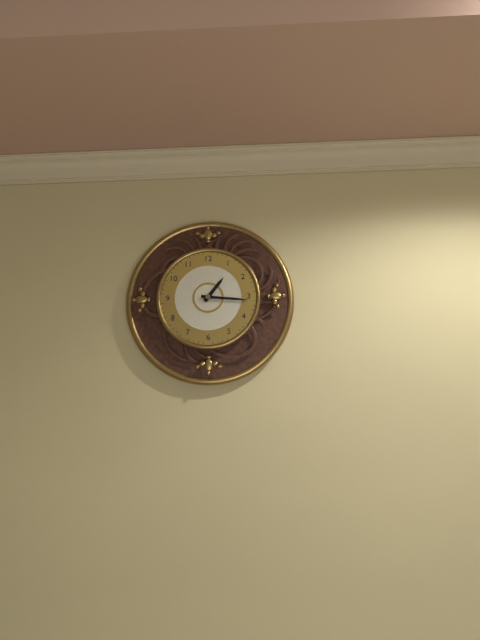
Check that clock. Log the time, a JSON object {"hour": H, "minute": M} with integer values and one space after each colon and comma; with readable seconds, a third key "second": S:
{"hour": 1, "minute": 16}
